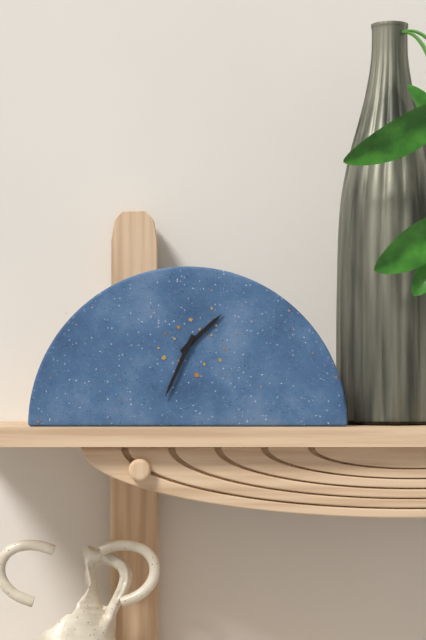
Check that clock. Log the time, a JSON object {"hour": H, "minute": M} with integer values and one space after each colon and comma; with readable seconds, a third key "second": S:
{"hour": 1, "minute": 34}
